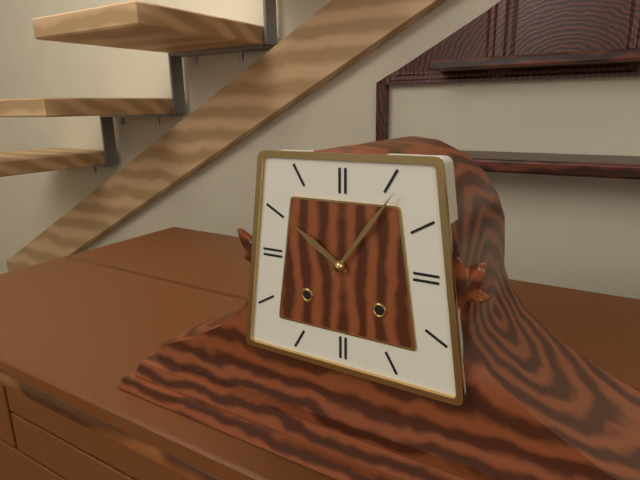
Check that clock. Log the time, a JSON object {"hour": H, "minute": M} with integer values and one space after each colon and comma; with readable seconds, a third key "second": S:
{"hour": 10, "minute": 6}
